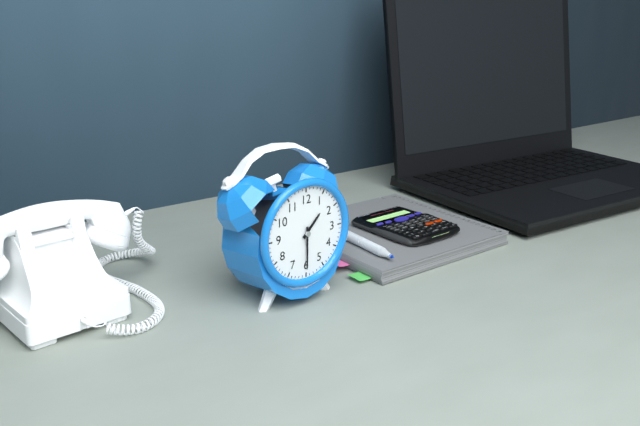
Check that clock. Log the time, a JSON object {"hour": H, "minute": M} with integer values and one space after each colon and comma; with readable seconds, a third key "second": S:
{"hour": 1, "minute": 30}
